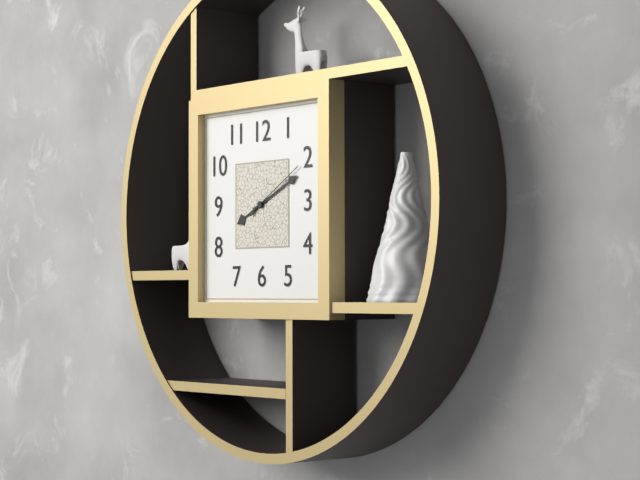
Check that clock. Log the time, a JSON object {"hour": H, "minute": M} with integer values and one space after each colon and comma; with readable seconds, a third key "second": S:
{"hour": 8, "minute": 11, "second": 10}
